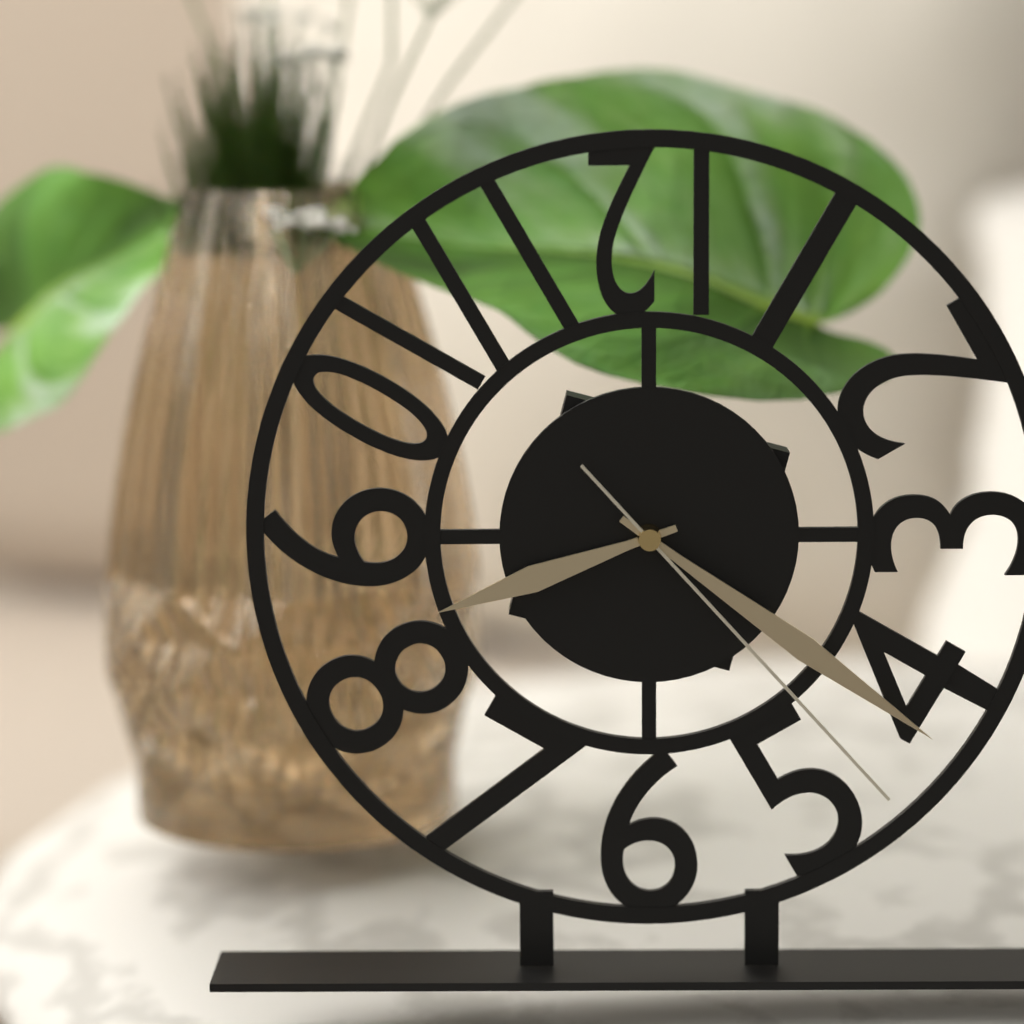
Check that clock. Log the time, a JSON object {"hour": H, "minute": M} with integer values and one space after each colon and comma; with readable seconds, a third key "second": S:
{"hour": 8, "minute": 21, "second": 23}
